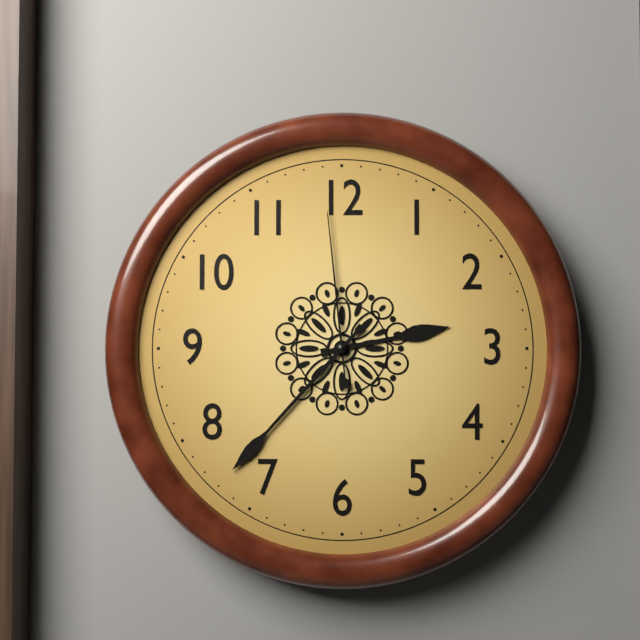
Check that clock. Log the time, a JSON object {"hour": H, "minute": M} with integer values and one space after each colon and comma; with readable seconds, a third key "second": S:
{"hour": 2, "minute": 37, "second": 59}
